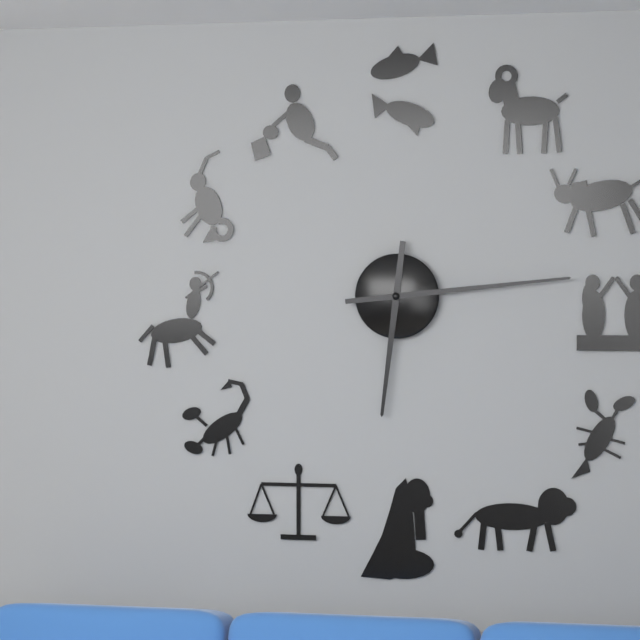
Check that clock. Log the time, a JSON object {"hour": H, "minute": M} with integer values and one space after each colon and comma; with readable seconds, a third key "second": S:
{"hour": 6, "minute": 14}
